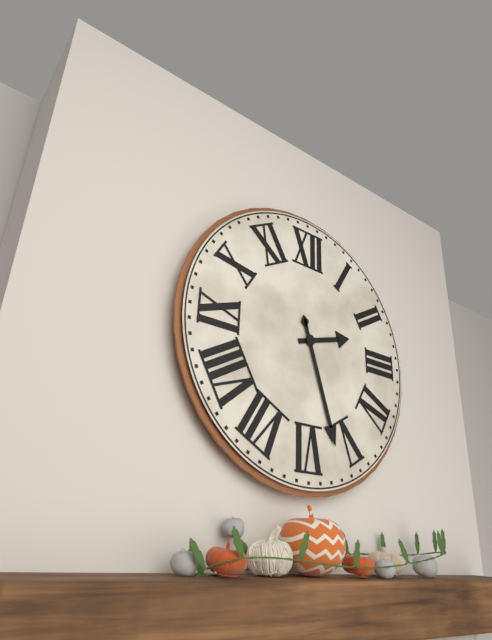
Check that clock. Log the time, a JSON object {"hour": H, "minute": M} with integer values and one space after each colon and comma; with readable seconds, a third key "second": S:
{"hour": 2, "minute": 27}
